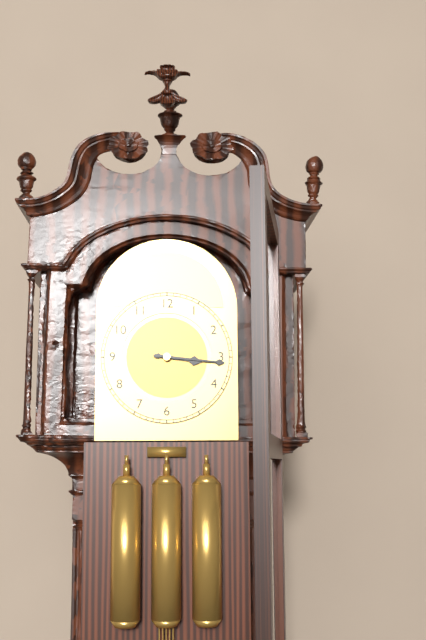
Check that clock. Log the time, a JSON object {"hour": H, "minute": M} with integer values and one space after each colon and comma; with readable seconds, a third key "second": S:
{"hour": 3, "minute": 16}
